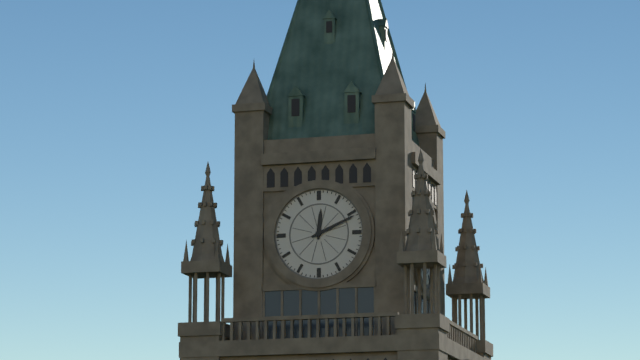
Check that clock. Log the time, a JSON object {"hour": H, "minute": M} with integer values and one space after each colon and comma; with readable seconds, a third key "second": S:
{"hour": 12, "minute": 11}
